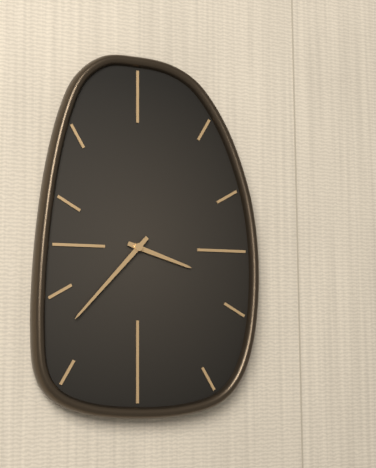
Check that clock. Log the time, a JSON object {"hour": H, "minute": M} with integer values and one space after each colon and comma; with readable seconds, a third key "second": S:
{"hour": 3, "minute": 37}
